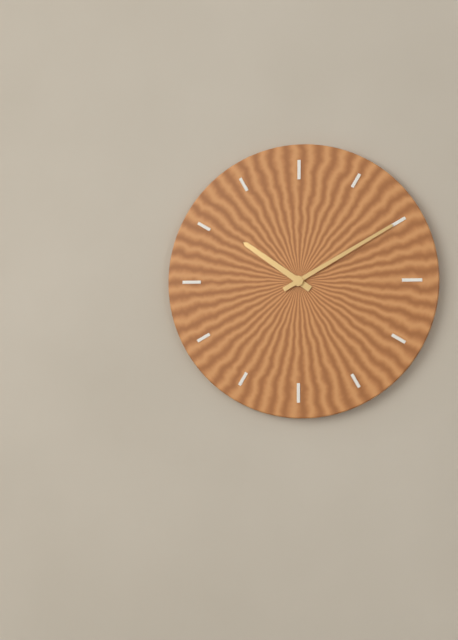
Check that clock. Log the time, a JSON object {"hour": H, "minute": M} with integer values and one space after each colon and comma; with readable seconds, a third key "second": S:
{"hour": 10, "minute": 10}
